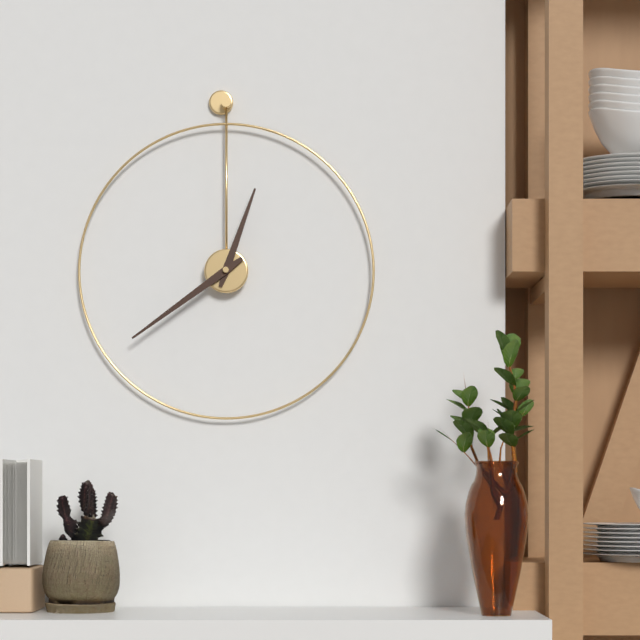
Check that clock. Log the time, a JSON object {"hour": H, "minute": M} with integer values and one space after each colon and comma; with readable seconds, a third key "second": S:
{"hour": 12, "minute": 39}
